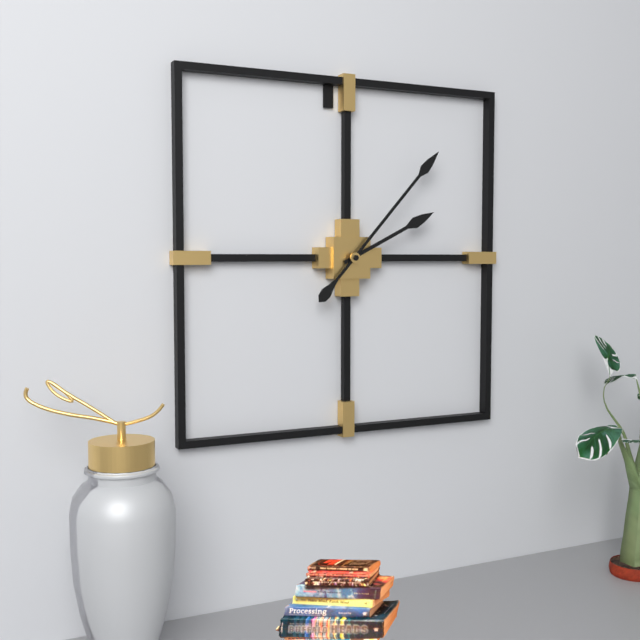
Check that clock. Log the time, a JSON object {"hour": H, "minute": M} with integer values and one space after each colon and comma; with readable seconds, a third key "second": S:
{"hour": 2, "minute": 7}
